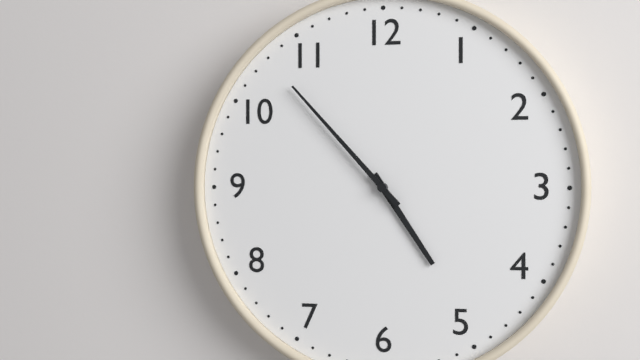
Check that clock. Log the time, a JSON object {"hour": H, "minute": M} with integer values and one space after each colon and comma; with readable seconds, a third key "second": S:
{"hour": 4, "minute": 53}
